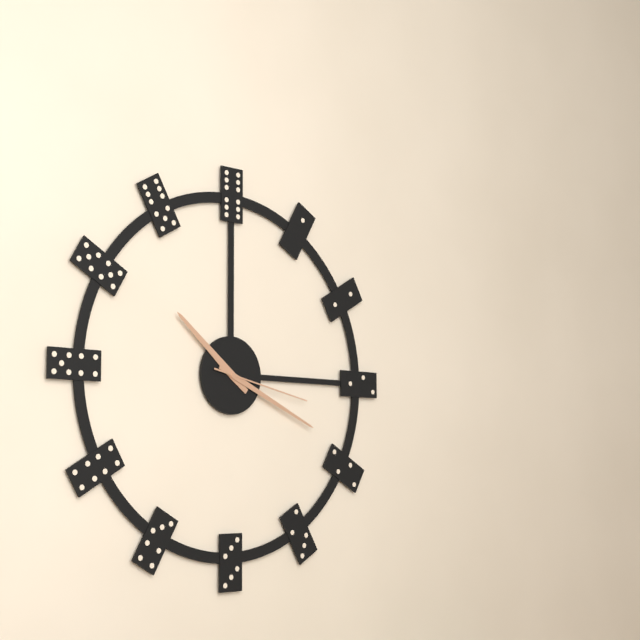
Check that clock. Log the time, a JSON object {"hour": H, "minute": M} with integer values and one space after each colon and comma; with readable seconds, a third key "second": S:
{"hour": 10, "minute": 19, "second": 17}
